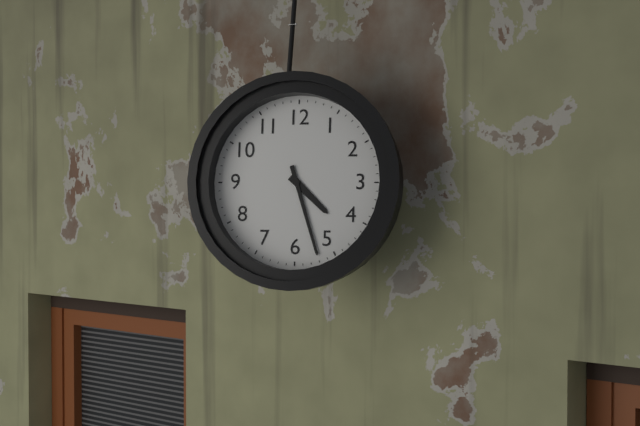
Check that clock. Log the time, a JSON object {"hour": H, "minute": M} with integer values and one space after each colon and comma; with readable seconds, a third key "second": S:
{"hour": 4, "minute": 27}
